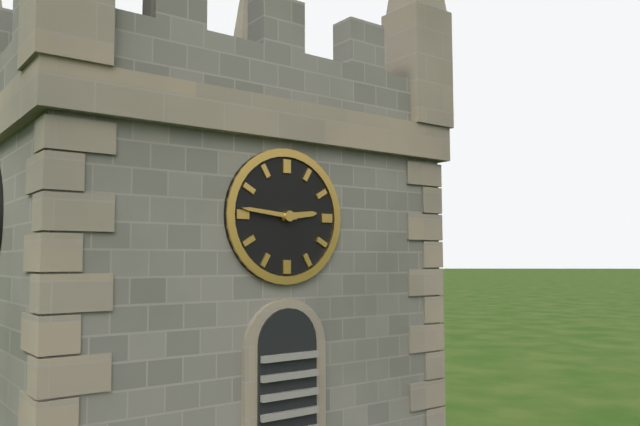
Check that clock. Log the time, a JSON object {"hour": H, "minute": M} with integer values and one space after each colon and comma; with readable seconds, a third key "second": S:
{"hour": 2, "minute": 46}
